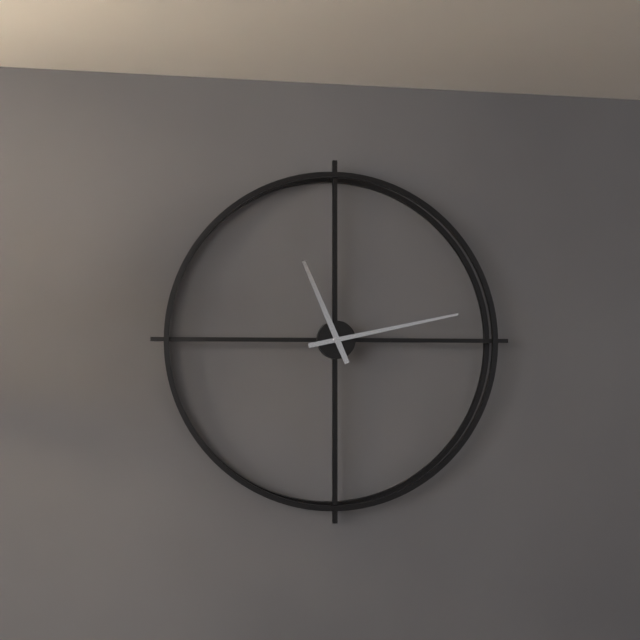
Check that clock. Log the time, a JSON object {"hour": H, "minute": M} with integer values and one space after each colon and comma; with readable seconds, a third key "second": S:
{"hour": 11, "minute": 13}
